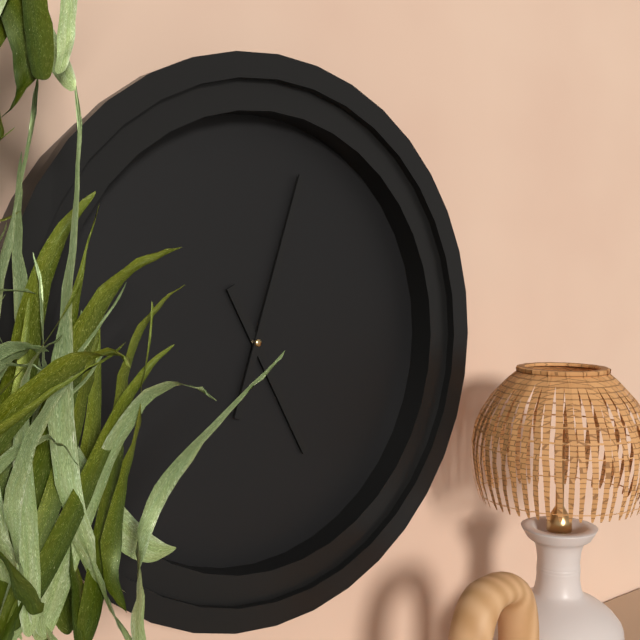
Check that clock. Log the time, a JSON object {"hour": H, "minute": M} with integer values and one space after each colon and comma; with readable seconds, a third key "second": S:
{"hour": 5, "minute": 3}
